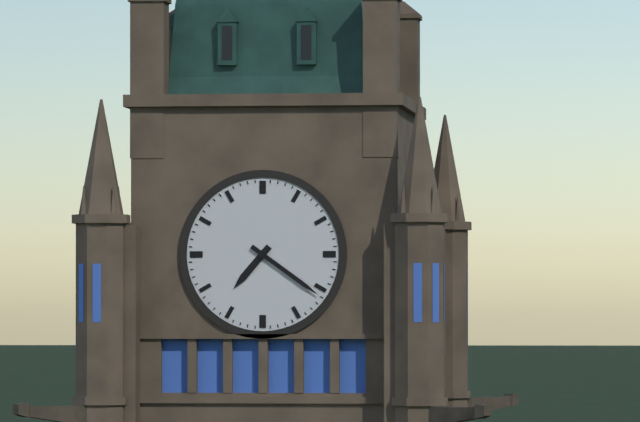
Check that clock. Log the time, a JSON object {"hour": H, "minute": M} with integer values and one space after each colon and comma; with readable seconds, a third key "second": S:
{"hour": 7, "minute": 21}
